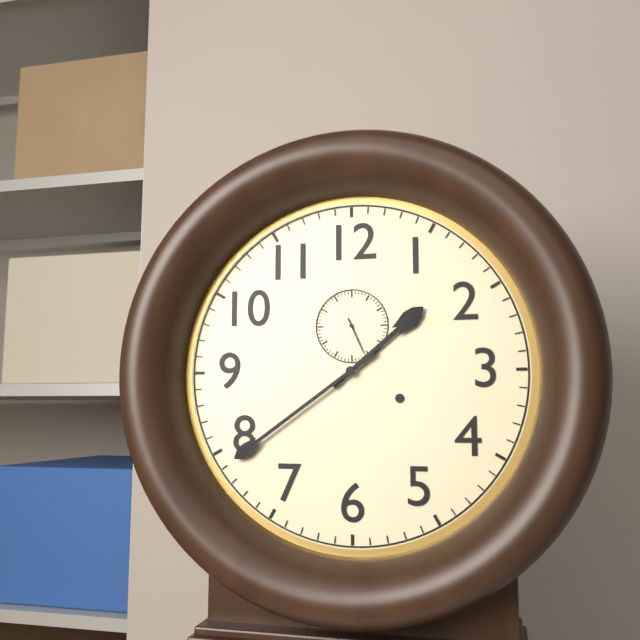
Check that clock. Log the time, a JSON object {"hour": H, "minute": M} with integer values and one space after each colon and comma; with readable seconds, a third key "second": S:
{"hour": 1, "minute": 39}
